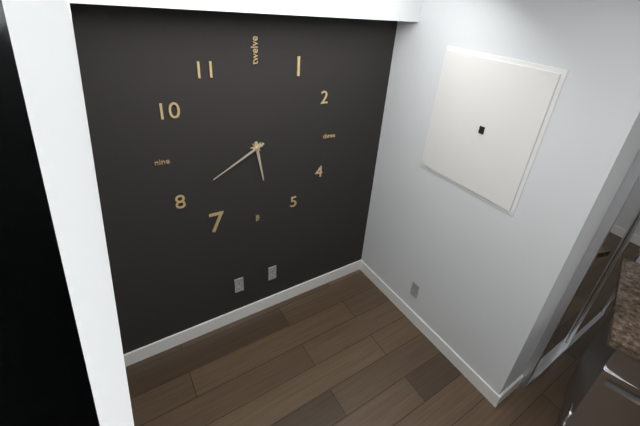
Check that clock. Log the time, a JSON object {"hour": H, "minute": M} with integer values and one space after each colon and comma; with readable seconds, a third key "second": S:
{"hour": 5, "minute": 40}
